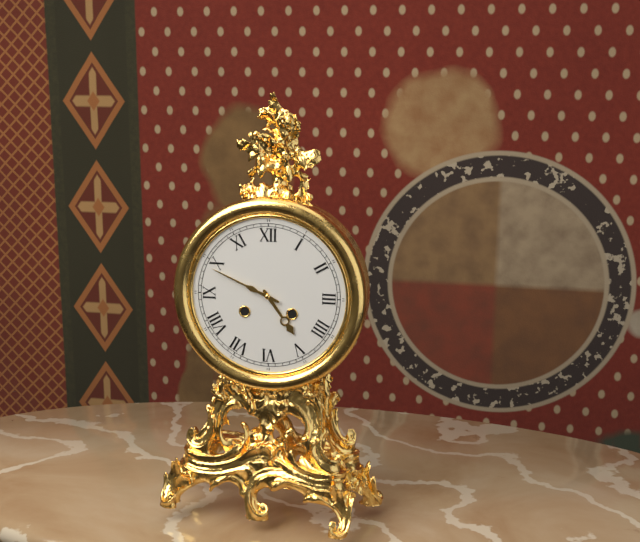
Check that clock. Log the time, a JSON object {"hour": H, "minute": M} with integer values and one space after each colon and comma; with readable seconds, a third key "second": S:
{"hour": 4, "minute": 49}
